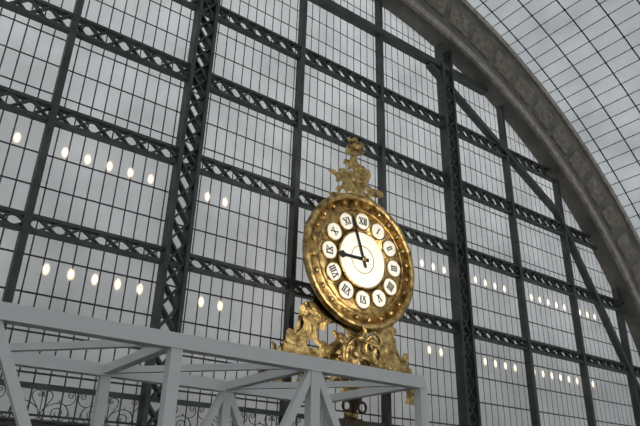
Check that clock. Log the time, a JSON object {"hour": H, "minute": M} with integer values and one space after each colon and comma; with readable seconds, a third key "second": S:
{"hour": 8, "minute": 57}
